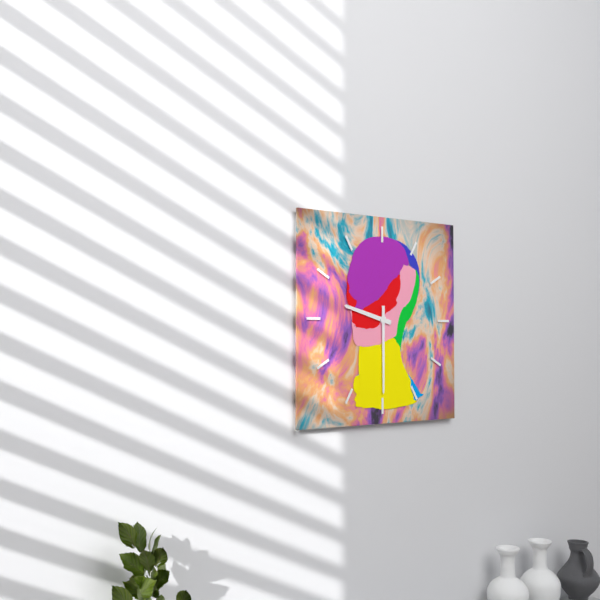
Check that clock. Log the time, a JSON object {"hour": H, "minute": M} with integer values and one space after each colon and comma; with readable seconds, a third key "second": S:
{"hour": 9, "minute": 30}
